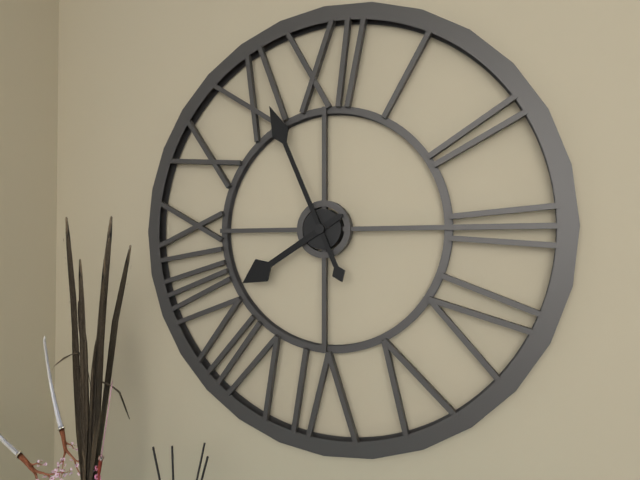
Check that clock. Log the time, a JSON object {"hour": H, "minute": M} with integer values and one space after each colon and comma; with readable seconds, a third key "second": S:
{"hour": 7, "minute": 56}
